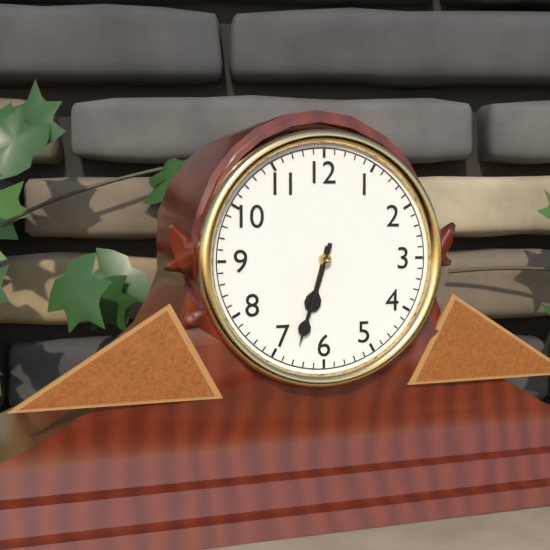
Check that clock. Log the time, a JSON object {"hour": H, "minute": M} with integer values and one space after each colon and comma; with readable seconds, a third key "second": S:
{"hour": 6, "minute": 33}
